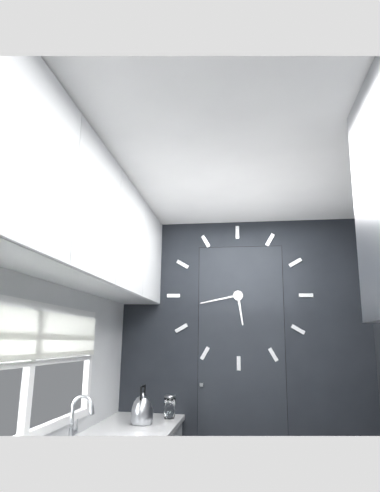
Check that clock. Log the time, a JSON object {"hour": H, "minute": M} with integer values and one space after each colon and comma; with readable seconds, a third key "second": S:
{"hour": 5, "minute": 43}
